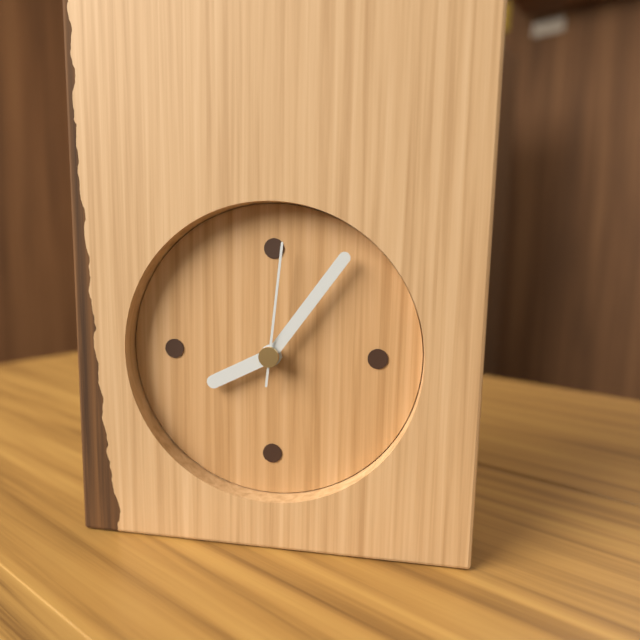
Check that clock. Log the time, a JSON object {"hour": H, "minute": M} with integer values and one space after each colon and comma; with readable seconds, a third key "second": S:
{"hour": 8, "minute": 6, "second": 1}
